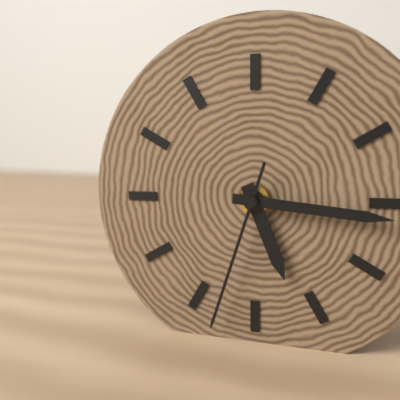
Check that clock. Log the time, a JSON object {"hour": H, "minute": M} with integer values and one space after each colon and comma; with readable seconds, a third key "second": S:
{"hour": 5, "minute": 16, "second": 33}
